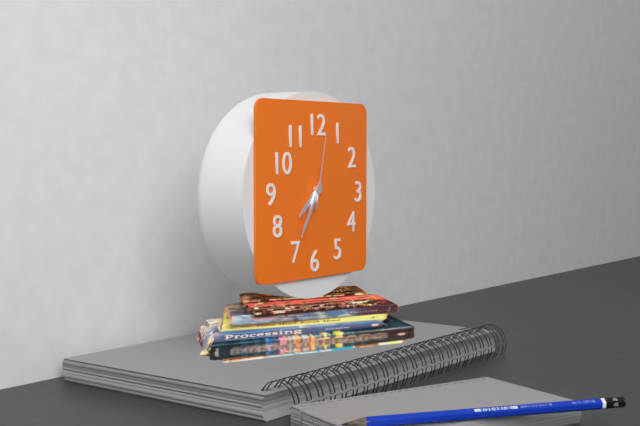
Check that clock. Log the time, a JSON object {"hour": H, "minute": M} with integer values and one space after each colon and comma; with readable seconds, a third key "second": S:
{"hour": 7, "minute": 35, "second": 2}
